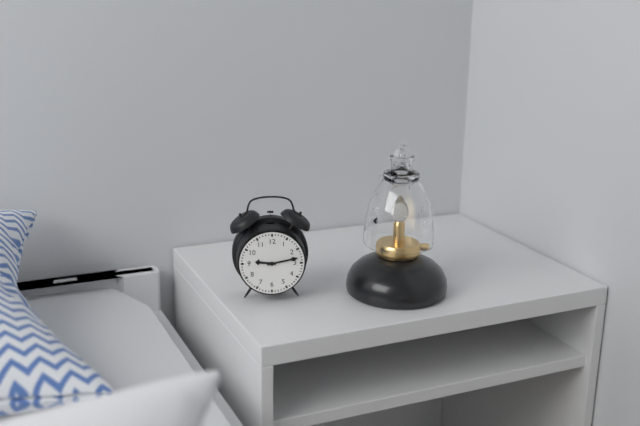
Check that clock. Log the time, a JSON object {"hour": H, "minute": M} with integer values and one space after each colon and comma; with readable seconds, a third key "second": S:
{"hour": 9, "minute": 13}
